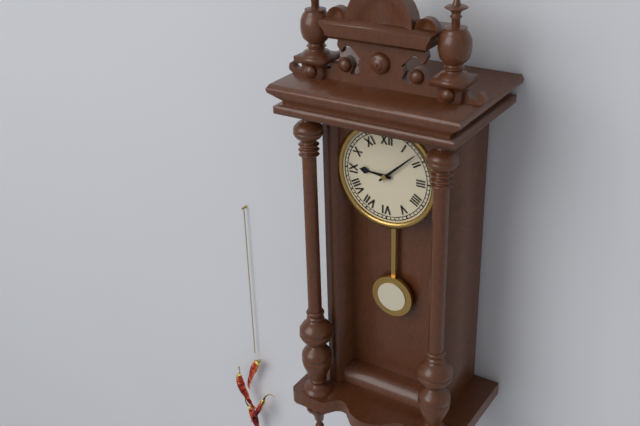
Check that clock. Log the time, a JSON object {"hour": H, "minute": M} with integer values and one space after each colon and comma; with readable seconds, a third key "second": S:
{"hour": 9, "minute": 8}
